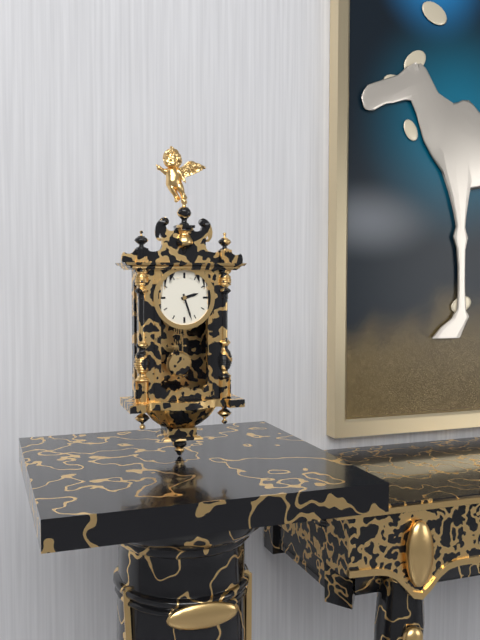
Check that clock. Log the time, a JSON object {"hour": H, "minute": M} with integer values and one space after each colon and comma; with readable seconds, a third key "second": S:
{"hour": 2, "minute": 27}
